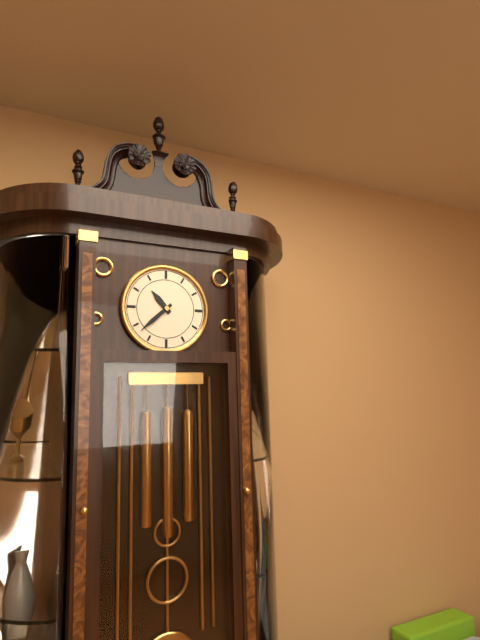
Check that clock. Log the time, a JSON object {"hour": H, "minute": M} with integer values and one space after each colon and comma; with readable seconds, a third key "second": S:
{"hour": 10, "minute": 38}
